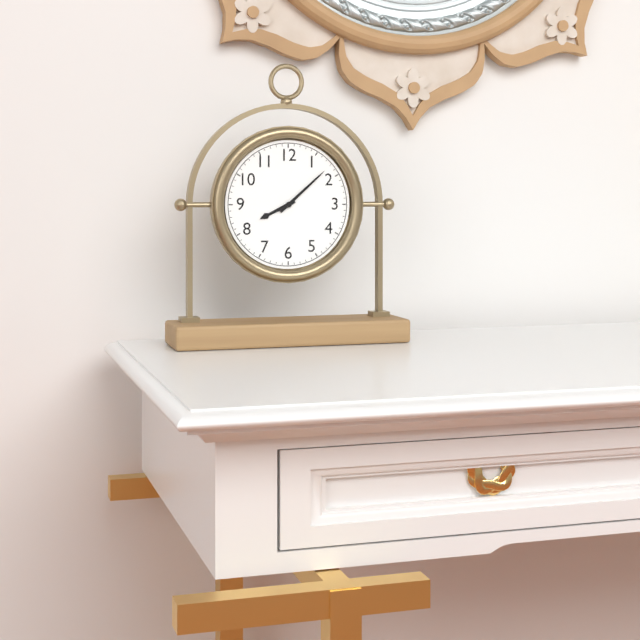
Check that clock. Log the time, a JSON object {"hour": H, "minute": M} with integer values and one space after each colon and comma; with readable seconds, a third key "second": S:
{"hour": 8, "minute": 8}
